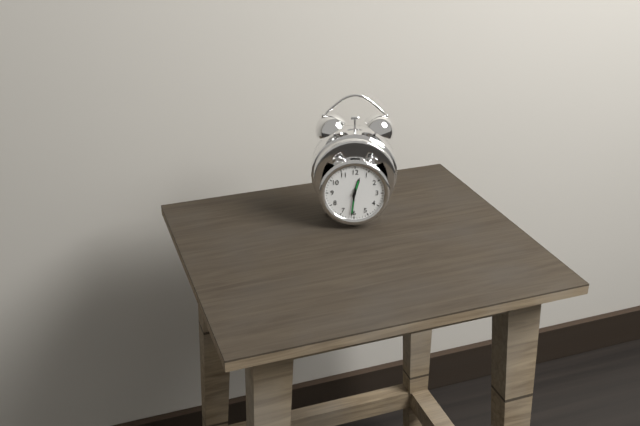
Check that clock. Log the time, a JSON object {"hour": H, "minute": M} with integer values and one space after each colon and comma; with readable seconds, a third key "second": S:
{"hour": 12, "minute": 31}
